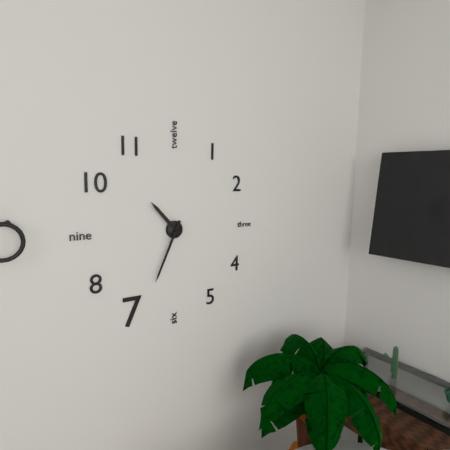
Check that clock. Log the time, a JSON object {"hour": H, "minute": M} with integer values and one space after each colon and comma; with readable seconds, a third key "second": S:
{"hour": 10, "minute": 34}
